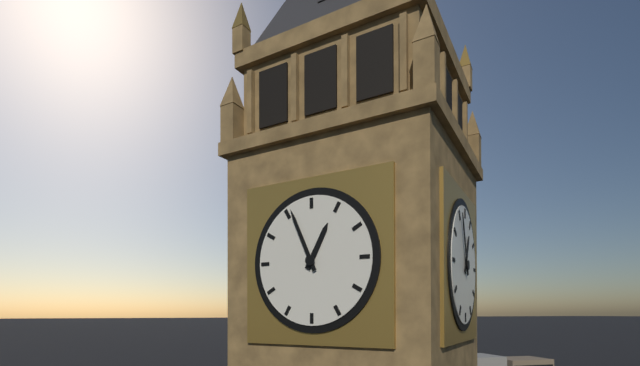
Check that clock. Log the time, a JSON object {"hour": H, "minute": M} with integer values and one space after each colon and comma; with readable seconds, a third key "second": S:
{"hour": 12, "minute": 56}
